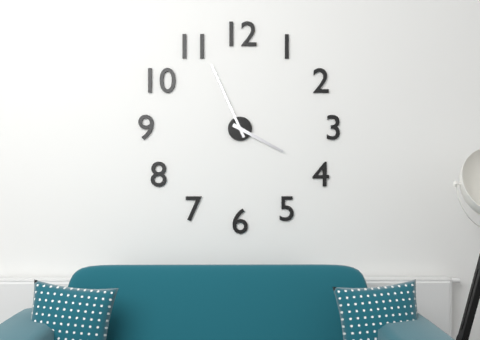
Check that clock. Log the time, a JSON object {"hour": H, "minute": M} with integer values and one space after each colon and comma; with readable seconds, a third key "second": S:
{"hour": 3, "minute": 56}
